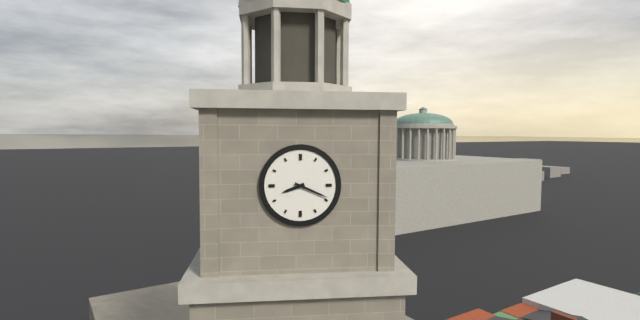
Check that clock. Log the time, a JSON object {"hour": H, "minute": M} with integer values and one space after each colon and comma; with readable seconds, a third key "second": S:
{"hour": 8, "minute": 19}
